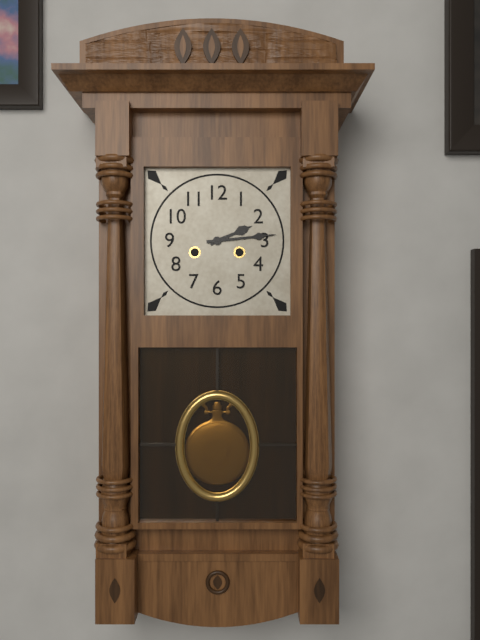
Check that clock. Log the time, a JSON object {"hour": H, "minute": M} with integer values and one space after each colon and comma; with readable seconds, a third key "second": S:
{"hour": 2, "minute": 14}
